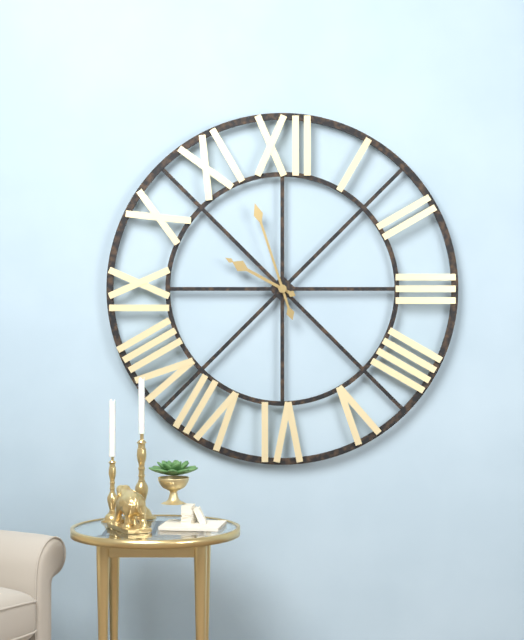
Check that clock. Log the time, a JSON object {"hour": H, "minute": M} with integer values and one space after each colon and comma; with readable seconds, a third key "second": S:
{"hour": 9, "minute": 57}
